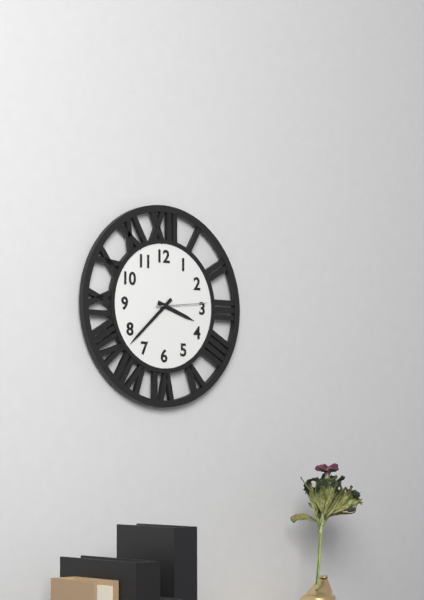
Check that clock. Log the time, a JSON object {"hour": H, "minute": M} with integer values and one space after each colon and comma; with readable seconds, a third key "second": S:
{"hour": 3, "minute": 38, "second": 14}
